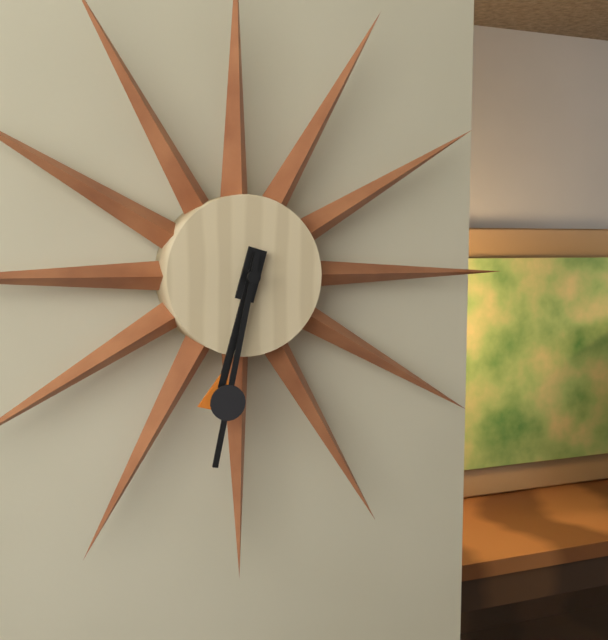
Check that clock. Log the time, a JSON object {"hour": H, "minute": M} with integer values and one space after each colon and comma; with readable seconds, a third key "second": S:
{"hour": 6, "minute": 32}
